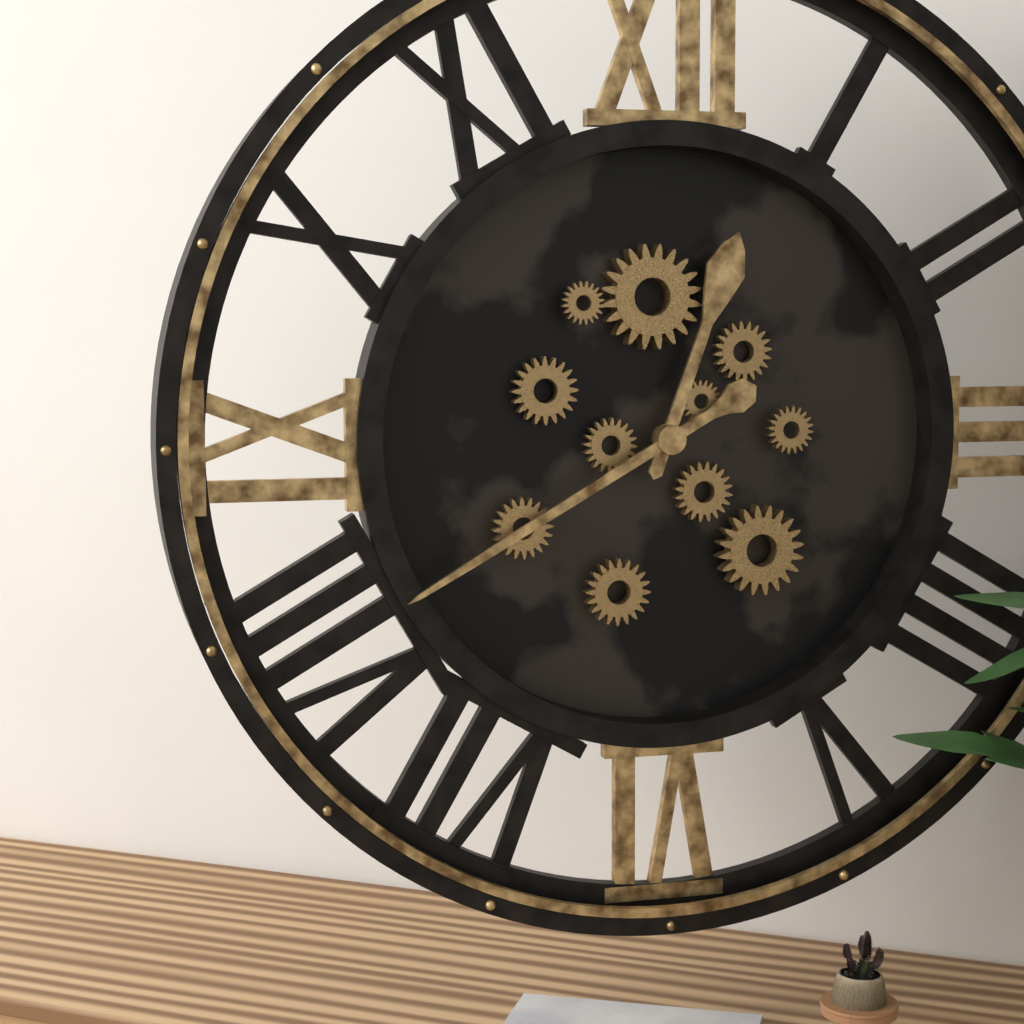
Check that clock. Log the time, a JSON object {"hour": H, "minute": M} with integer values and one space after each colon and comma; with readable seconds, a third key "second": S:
{"hour": 12, "minute": 40}
